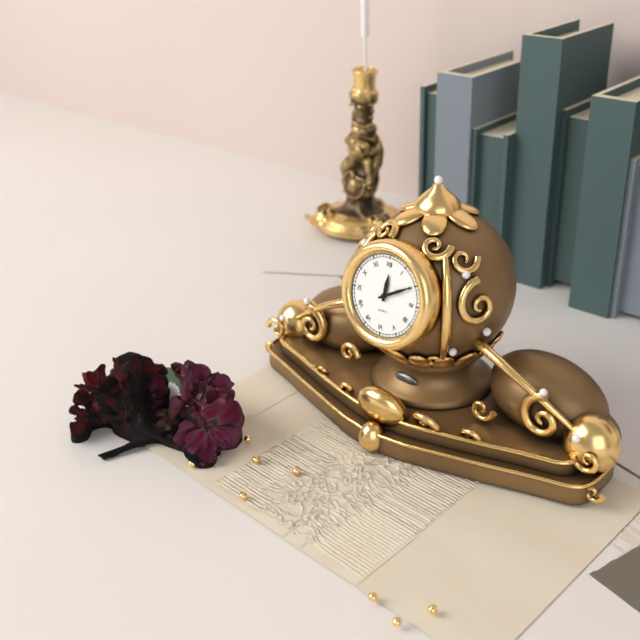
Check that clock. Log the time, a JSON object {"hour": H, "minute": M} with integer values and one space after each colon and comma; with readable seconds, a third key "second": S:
{"hour": 12, "minute": 10}
